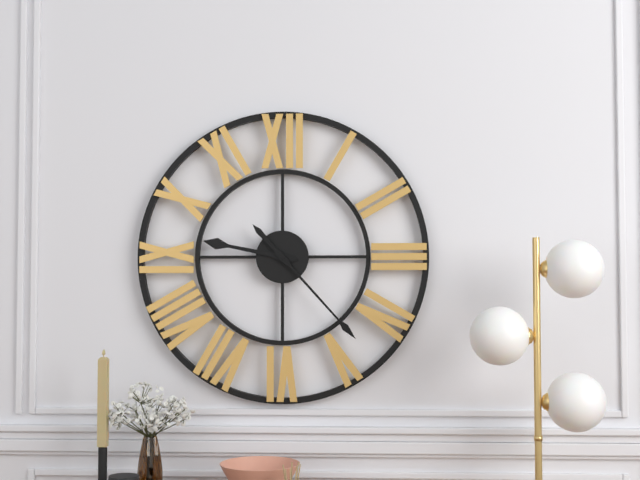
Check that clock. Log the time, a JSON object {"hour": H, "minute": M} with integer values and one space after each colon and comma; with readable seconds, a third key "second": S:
{"hour": 9, "minute": 23}
